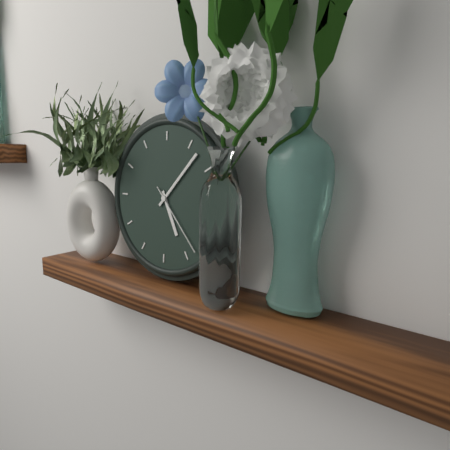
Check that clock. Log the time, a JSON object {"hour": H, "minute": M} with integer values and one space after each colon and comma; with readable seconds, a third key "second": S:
{"hour": 5, "minute": 7, "second": 23}
